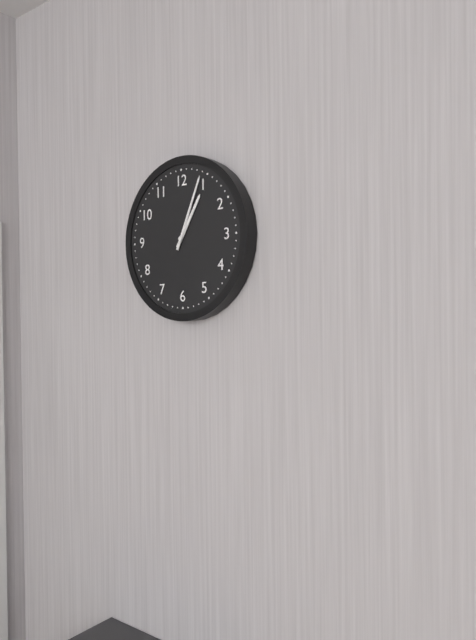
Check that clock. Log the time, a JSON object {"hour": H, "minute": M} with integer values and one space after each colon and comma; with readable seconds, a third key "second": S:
{"hour": 1, "minute": 4}
